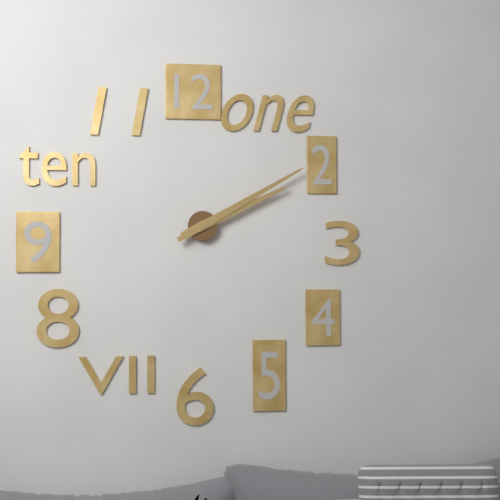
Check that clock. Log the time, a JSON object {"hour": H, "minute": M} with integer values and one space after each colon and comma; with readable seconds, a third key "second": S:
{"hour": 2, "minute": 10}
